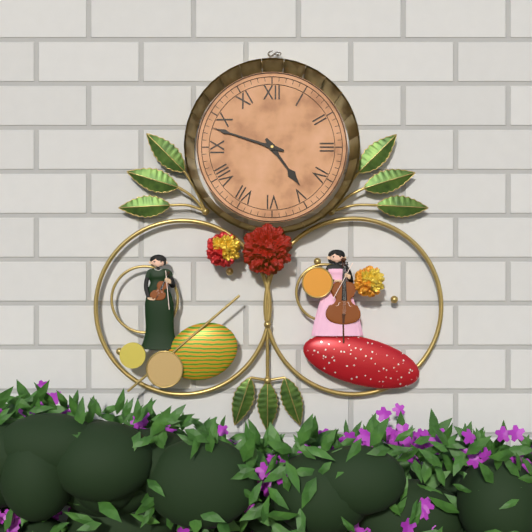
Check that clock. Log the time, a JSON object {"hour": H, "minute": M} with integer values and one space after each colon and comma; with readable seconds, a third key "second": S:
{"hour": 4, "minute": 48}
